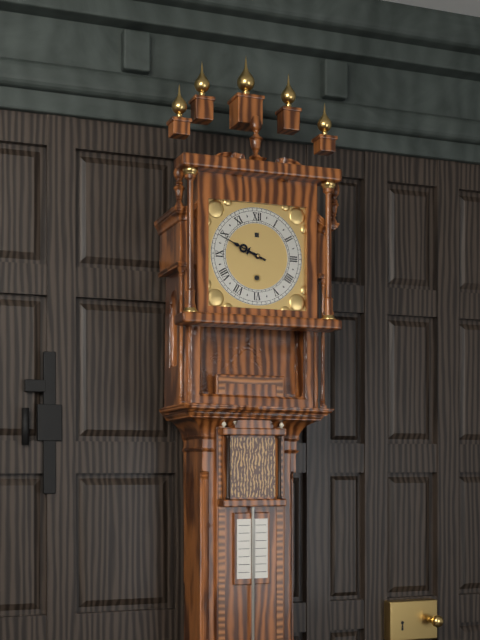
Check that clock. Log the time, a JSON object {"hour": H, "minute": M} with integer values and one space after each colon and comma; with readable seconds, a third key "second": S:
{"hour": 9, "minute": 49}
